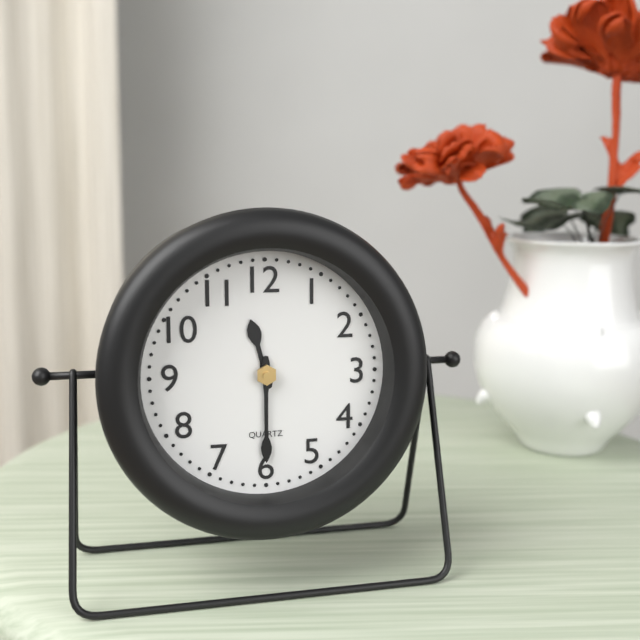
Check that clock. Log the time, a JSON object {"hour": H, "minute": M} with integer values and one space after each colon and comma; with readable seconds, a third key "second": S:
{"hour": 11, "minute": 30}
